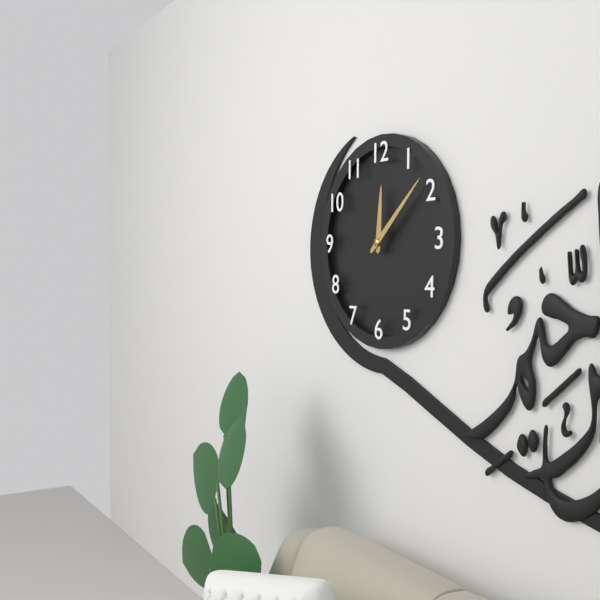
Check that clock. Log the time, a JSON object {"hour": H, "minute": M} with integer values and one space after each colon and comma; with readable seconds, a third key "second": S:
{"hour": 12, "minute": 8}
